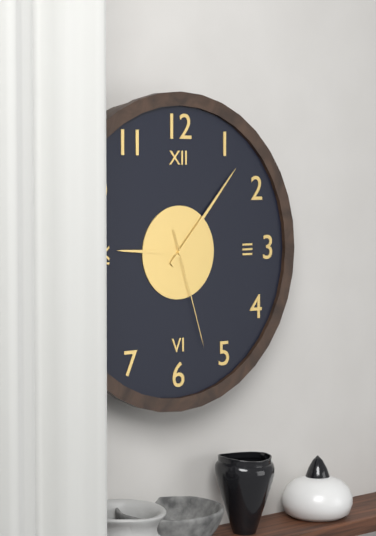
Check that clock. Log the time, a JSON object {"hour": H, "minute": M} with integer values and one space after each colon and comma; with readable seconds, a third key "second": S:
{"hour": 9, "minute": 7, "second": 27}
